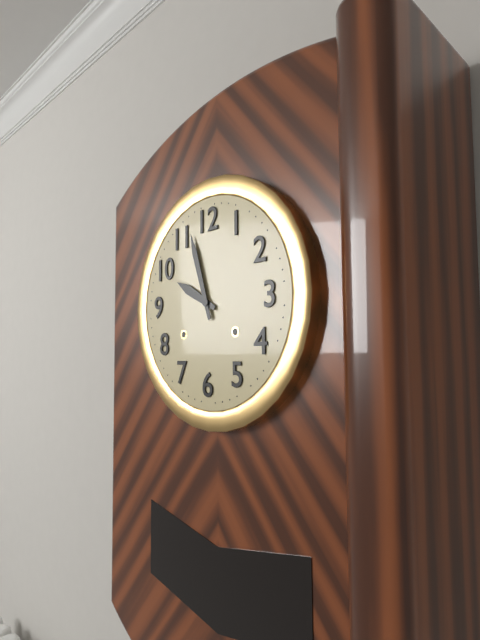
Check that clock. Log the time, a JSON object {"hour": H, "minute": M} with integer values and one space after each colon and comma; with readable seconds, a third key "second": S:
{"hour": 9, "minute": 57}
